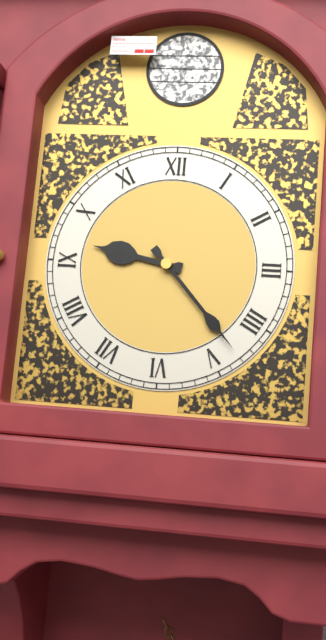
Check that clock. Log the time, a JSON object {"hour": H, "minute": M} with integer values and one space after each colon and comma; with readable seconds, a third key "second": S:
{"hour": 9, "minute": 23}
